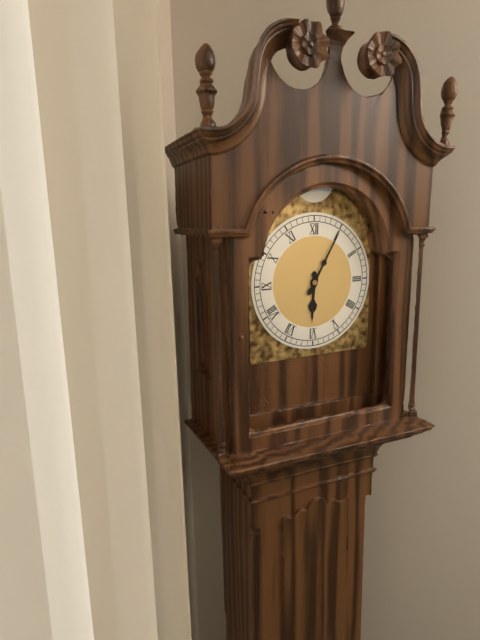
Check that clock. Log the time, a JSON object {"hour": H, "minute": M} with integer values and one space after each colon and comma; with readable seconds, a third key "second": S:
{"hour": 6, "minute": 5}
